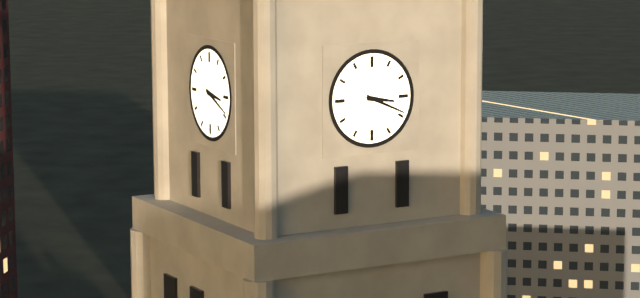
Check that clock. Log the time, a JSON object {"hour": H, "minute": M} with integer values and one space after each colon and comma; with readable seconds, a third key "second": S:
{"hour": 3, "minute": 19}
